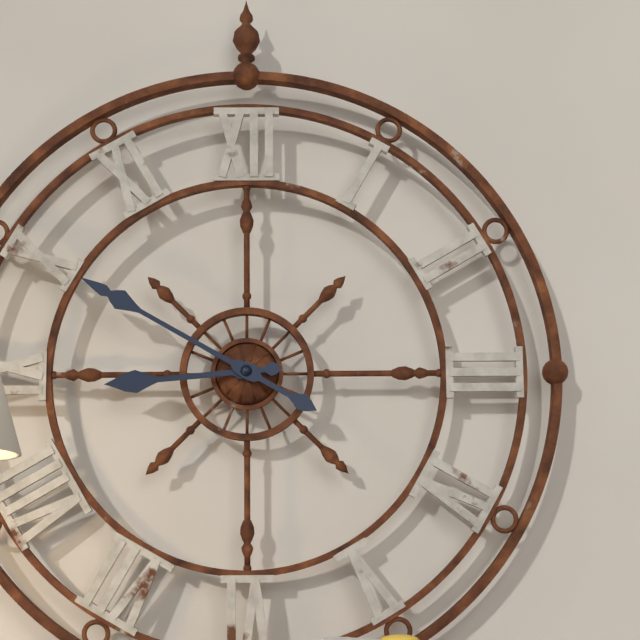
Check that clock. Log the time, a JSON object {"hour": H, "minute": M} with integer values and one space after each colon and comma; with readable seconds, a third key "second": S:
{"hour": 8, "minute": 50}
